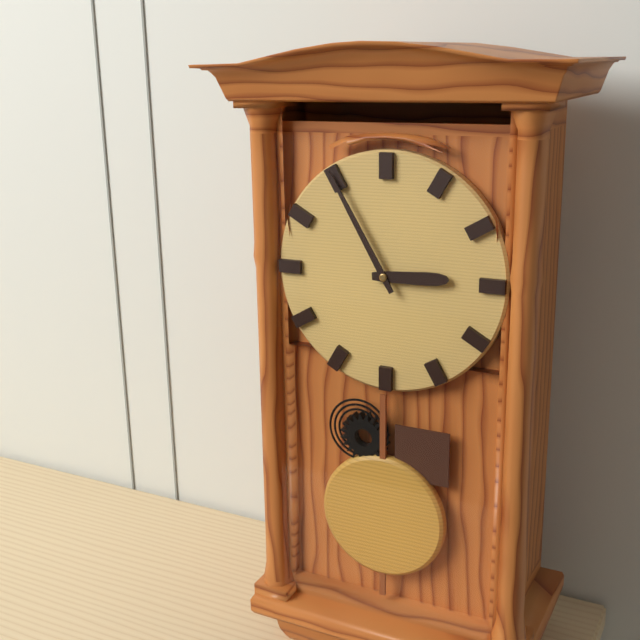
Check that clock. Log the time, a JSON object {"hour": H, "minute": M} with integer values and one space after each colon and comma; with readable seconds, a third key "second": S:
{"hour": 2, "minute": 55}
